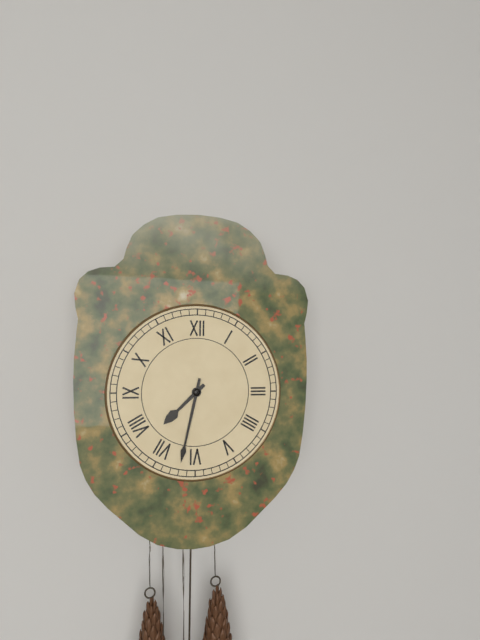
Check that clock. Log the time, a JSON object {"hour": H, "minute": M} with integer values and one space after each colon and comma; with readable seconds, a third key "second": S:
{"hour": 7, "minute": 32}
